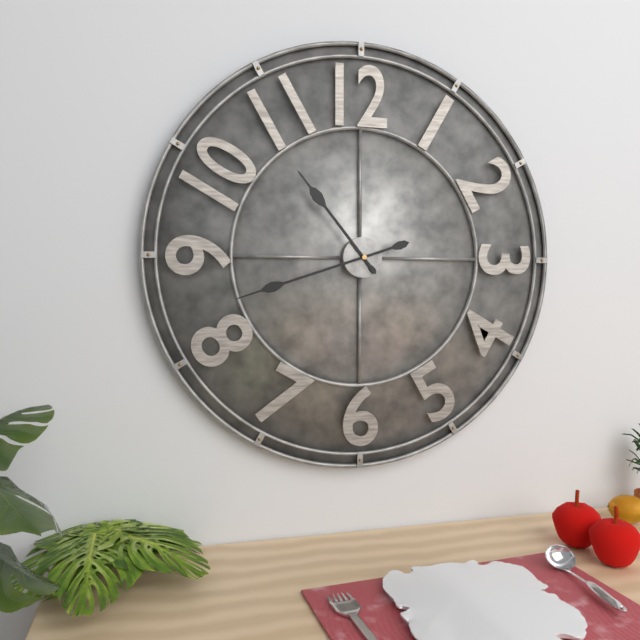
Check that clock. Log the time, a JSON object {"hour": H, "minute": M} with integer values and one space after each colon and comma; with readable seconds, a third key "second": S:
{"hour": 10, "minute": 42}
